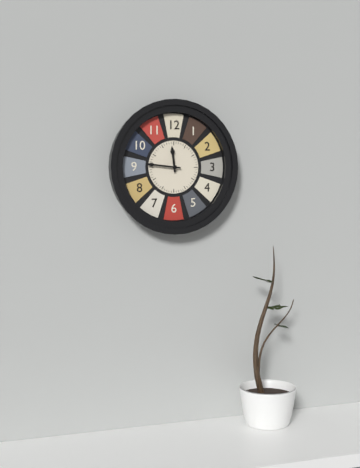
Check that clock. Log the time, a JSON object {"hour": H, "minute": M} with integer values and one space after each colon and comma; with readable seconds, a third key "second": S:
{"hour": 11, "minute": 46}
